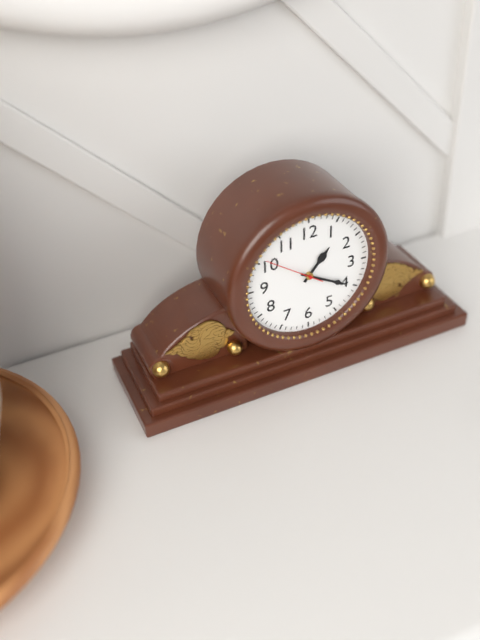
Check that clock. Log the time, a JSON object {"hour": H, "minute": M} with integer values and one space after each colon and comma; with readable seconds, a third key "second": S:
{"hour": 1, "minute": 20, "second": 51}
